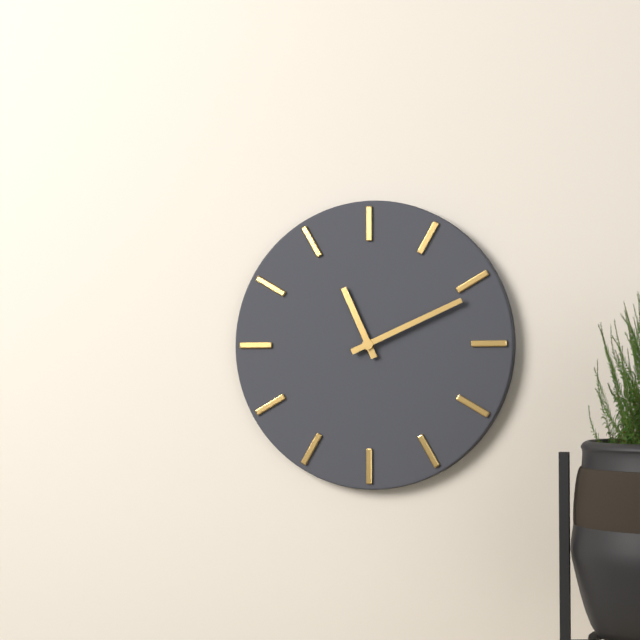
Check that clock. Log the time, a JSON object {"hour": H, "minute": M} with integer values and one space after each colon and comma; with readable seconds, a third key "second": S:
{"hour": 11, "minute": 11}
